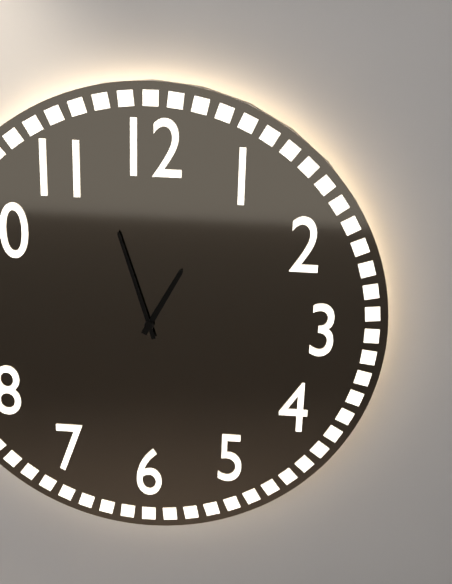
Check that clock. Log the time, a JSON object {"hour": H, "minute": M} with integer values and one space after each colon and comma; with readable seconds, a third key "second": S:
{"hour": 12, "minute": 57}
